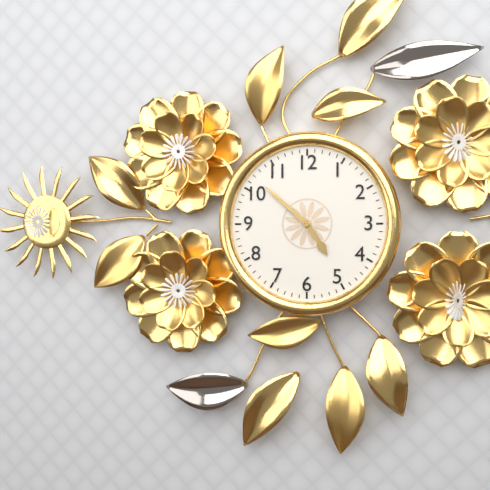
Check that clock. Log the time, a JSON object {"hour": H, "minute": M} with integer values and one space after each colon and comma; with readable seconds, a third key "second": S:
{"hour": 4, "minute": 52}
